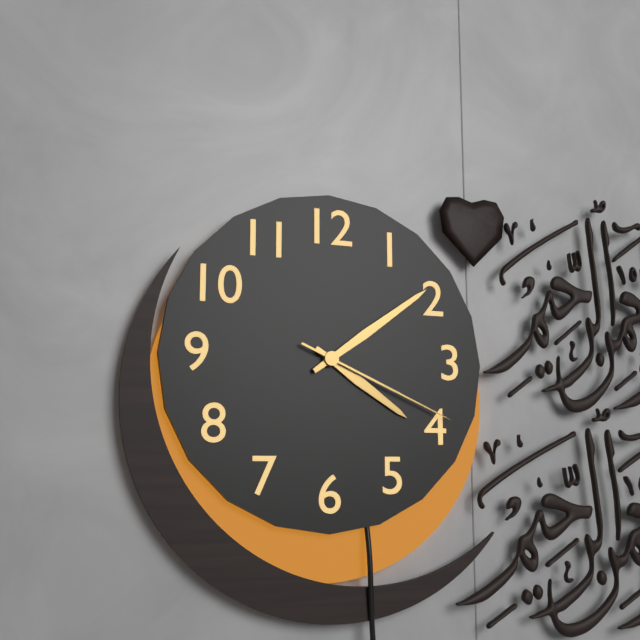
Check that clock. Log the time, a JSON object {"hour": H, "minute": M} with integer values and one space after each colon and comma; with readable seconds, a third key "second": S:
{"hour": 4, "minute": 9, "second": 19}
